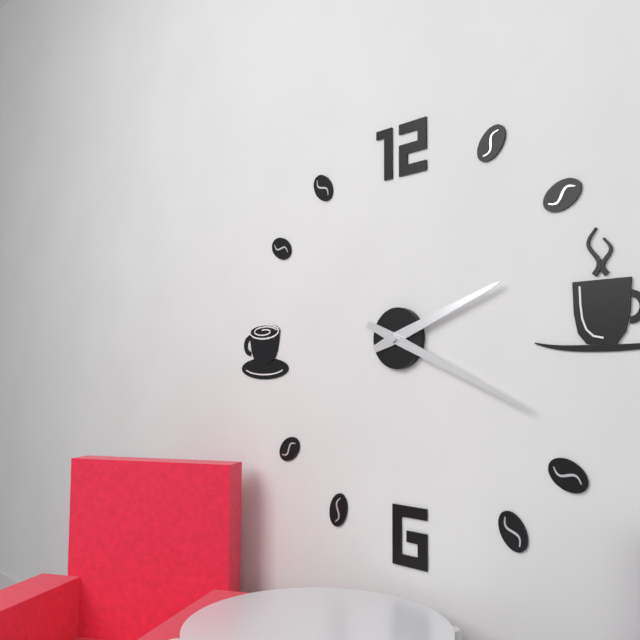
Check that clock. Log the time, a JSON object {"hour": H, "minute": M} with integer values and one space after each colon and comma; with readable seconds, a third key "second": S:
{"hour": 2, "minute": 19}
